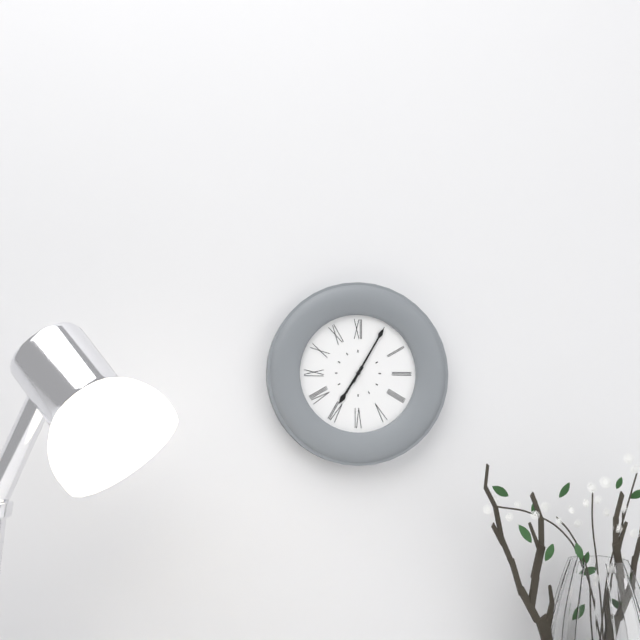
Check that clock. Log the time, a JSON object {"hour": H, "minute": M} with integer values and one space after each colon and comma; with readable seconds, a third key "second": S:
{"hour": 7, "minute": 5}
